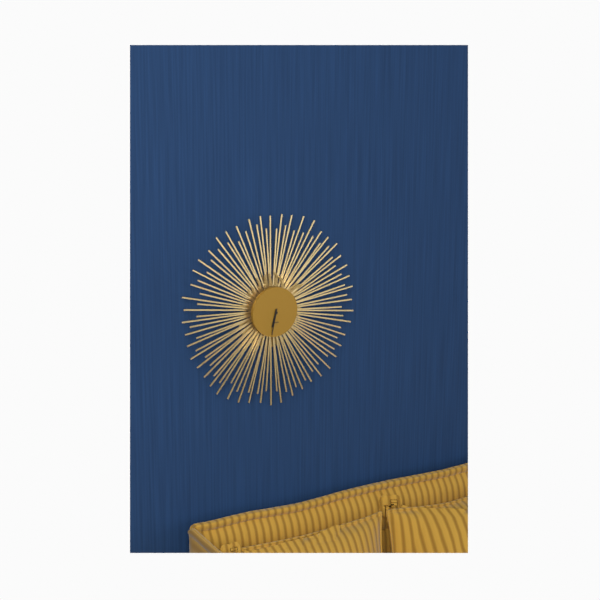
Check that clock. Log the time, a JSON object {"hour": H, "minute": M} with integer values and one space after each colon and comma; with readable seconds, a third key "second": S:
{"hour": 6, "minute": 32}
